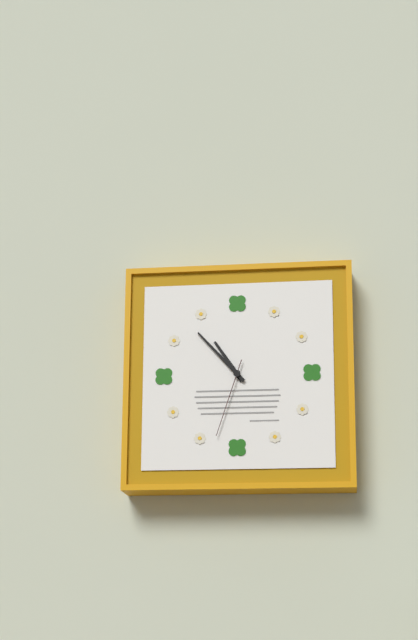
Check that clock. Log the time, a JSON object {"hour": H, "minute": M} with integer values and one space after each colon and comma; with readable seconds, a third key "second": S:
{"hour": 10, "minute": 53, "second": 33}
